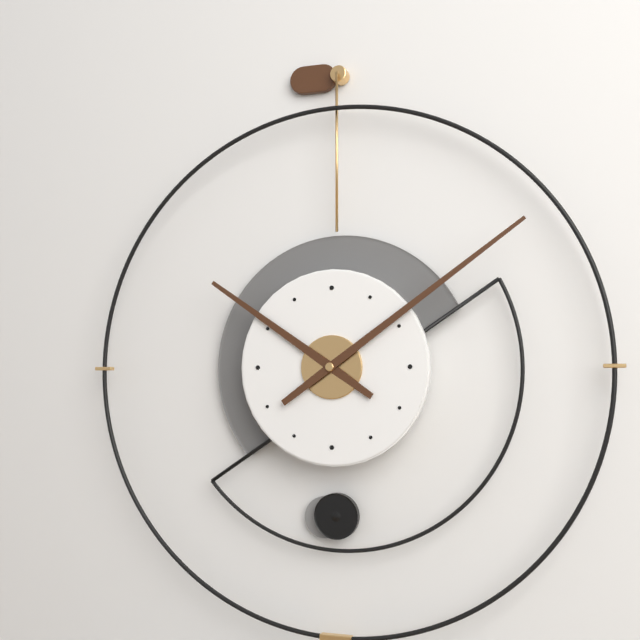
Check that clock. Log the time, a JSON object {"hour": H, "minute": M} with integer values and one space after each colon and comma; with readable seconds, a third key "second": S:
{"hour": 10, "minute": 9}
